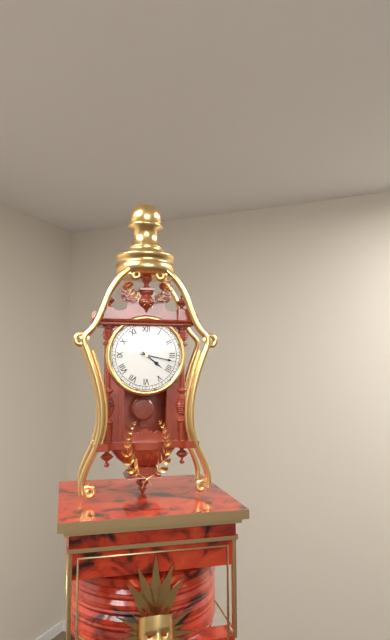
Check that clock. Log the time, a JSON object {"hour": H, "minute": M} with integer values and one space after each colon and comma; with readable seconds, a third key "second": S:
{"hour": 4, "minute": 17}
